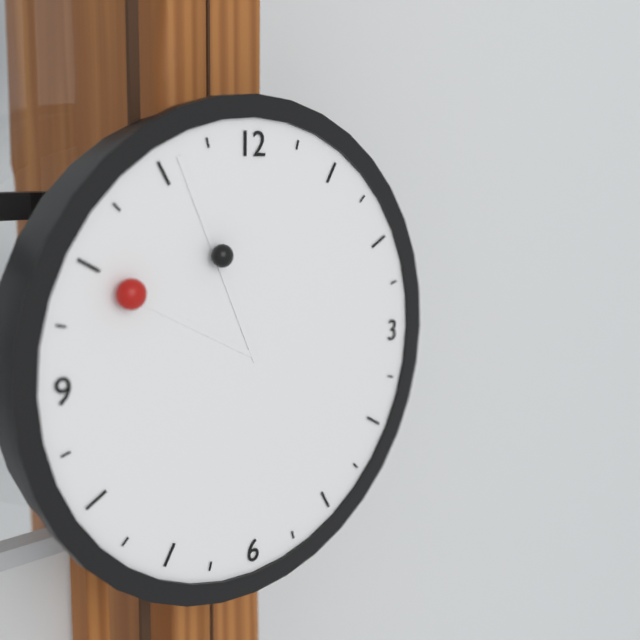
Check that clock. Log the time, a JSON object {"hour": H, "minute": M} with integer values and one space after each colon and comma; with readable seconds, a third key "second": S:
{"hour": 9, "minute": 56}
